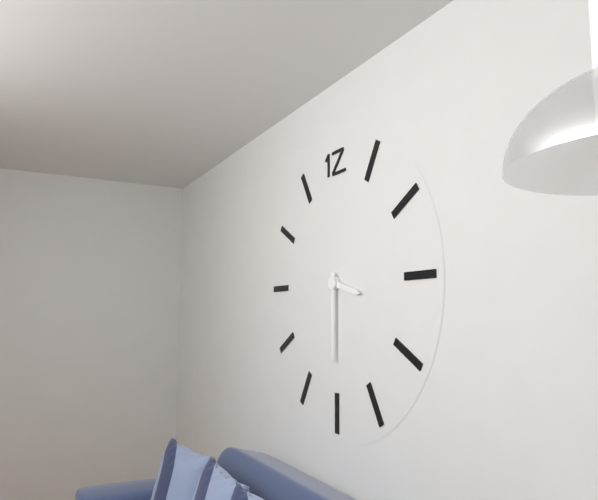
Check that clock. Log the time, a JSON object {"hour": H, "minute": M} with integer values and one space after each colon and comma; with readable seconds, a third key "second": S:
{"hour": 3, "minute": 30}
